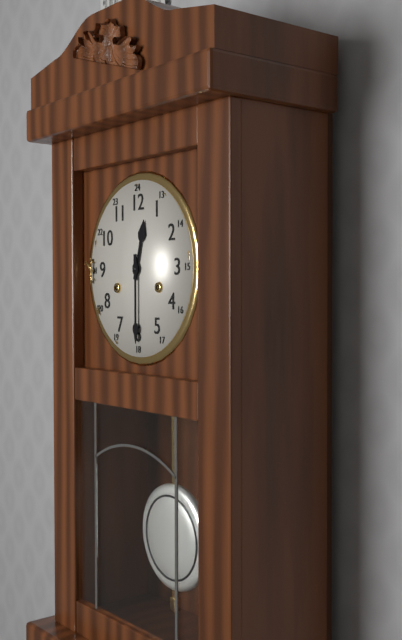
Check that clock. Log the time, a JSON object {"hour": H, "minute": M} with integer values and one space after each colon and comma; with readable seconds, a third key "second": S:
{"hour": 12, "minute": 30}
